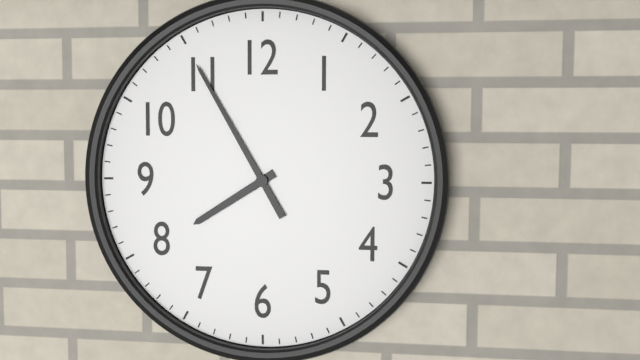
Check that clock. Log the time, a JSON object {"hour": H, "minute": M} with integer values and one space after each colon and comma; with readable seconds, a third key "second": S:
{"hour": 7, "minute": 55}
